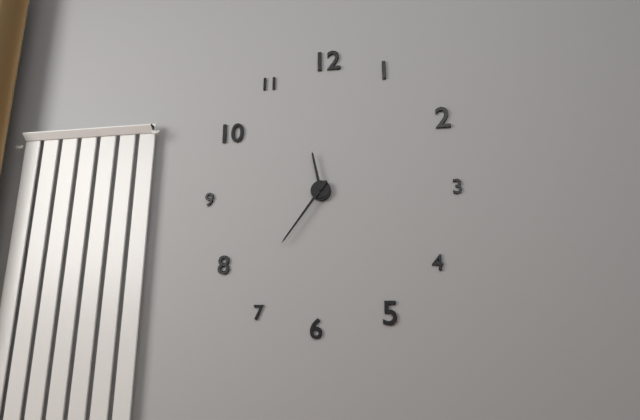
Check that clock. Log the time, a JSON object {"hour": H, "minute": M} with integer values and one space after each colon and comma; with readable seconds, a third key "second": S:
{"hour": 11, "minute": 36}
